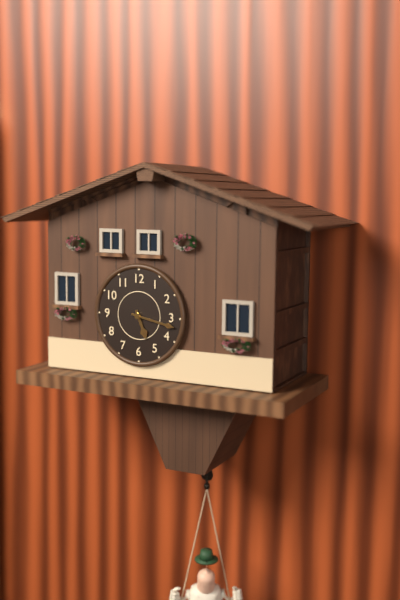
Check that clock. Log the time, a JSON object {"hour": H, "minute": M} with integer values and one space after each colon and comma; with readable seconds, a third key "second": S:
{"hour": 5, "minute": 17}
